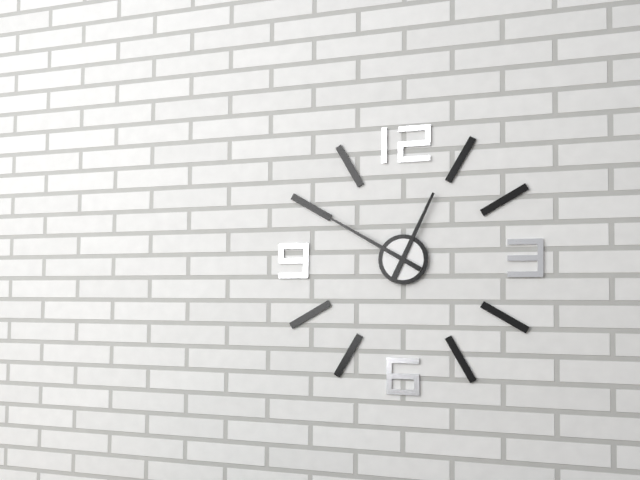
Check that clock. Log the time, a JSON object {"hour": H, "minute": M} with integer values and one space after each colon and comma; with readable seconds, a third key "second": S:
{"hour": 12, "minute": 50}
